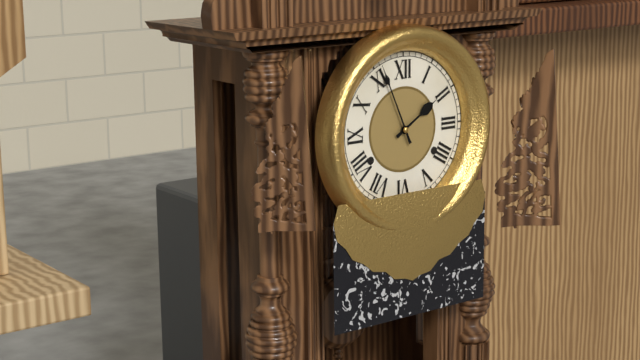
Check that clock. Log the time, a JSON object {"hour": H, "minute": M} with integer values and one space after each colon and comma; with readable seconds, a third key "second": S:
{"hour": 1, "minute": 56}
